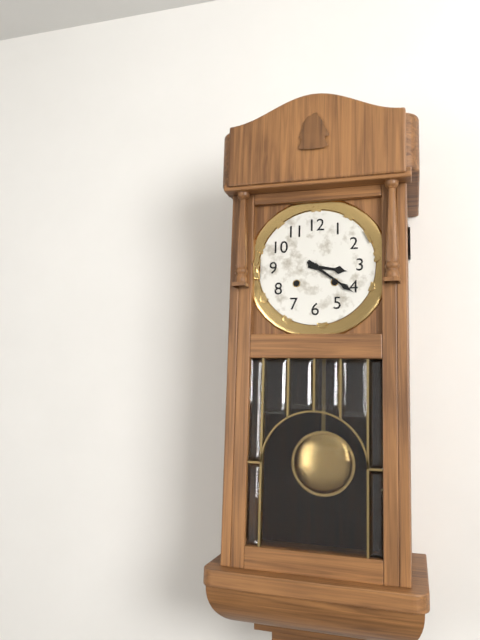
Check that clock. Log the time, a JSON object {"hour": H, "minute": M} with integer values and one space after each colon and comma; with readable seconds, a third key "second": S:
{"hour": 3, "minute": 21}
